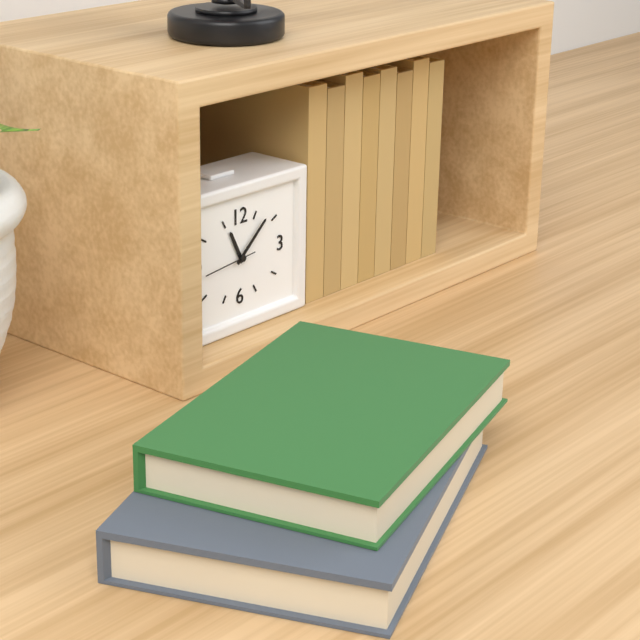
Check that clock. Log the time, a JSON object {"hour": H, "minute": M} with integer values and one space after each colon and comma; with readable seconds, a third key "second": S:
{"hour": 11, "minute": 8, "second": 44}
